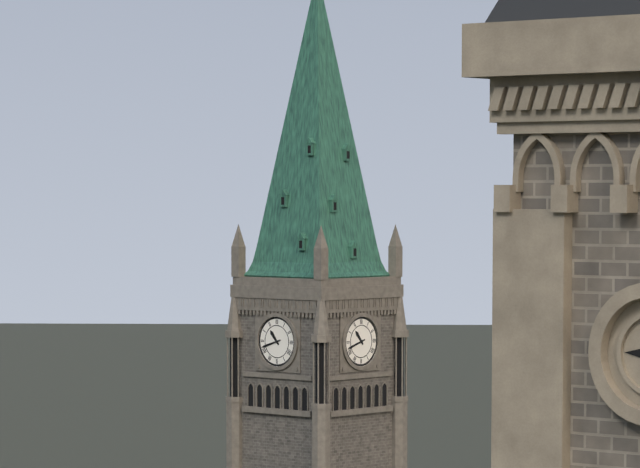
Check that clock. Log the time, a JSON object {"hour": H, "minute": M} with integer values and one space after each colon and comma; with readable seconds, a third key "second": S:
{"hour": 10, "minute": 42}
